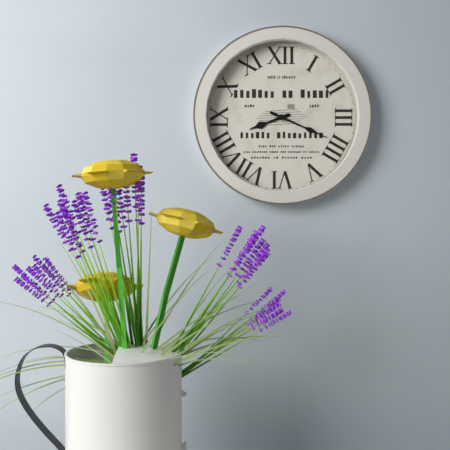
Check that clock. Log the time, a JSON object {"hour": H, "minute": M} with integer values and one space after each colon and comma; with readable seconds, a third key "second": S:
{"hour": 8, "minute": 19}
